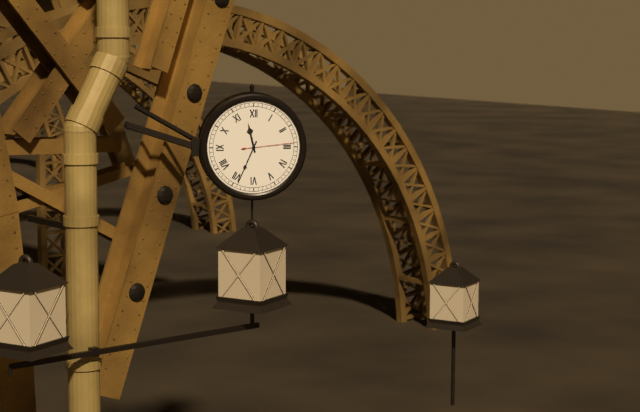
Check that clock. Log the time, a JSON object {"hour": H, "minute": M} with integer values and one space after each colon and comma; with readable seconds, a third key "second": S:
{"hour": 11, "minute": 34, "second": 14}
